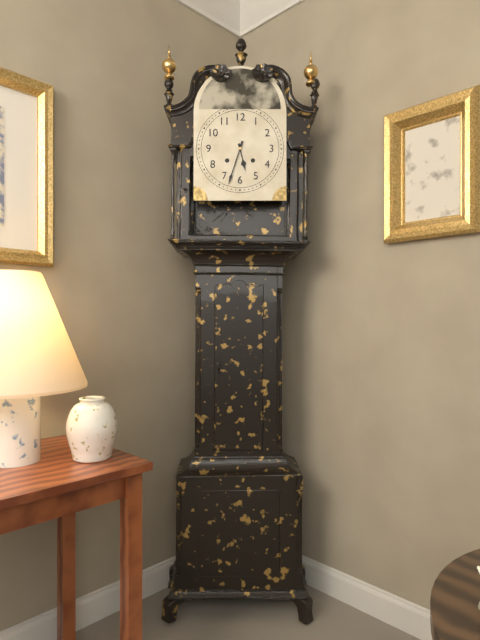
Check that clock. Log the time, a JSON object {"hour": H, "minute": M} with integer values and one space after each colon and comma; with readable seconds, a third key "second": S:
{"hour": 5, "minute": 33}
